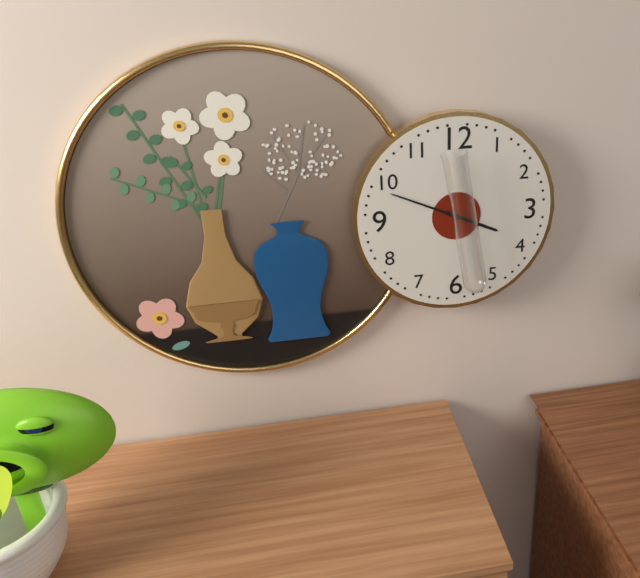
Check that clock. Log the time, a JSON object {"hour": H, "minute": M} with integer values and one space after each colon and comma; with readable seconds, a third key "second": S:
{"hour": 3, "minute": 49}
